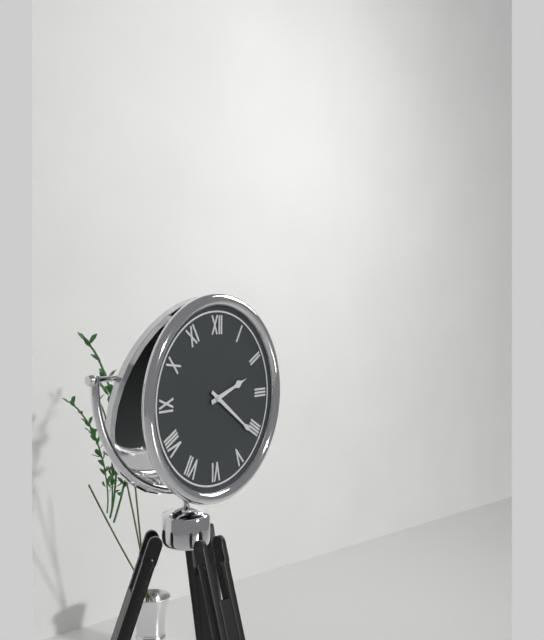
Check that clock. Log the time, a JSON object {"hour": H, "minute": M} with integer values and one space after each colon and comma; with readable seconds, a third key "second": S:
{"hour": 2, "minute": 21}
